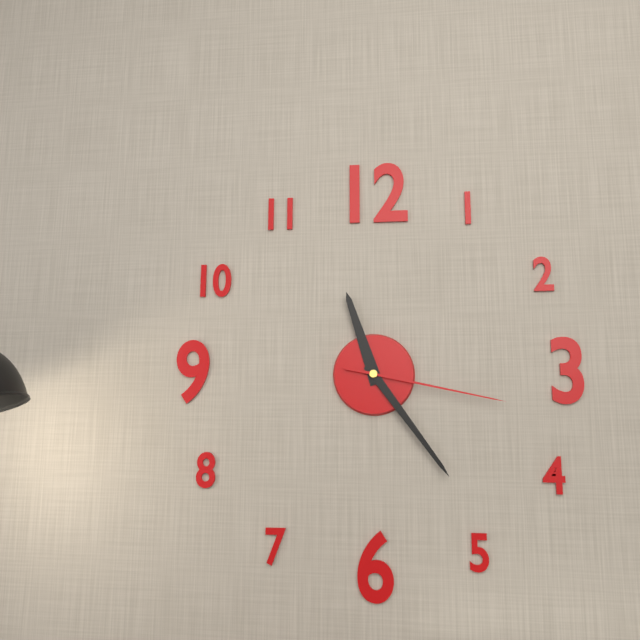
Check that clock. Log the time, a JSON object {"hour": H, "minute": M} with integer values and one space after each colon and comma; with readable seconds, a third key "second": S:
{"hour": 11, "minute": 24, "second": 17}
